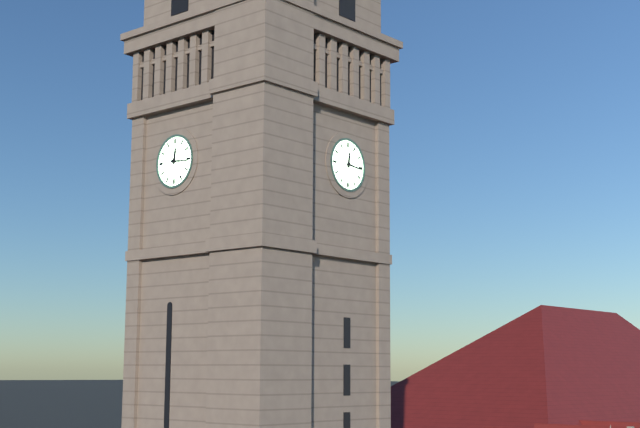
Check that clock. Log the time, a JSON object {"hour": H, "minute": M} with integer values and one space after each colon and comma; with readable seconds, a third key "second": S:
{"hour": 12, "minute": 16}
